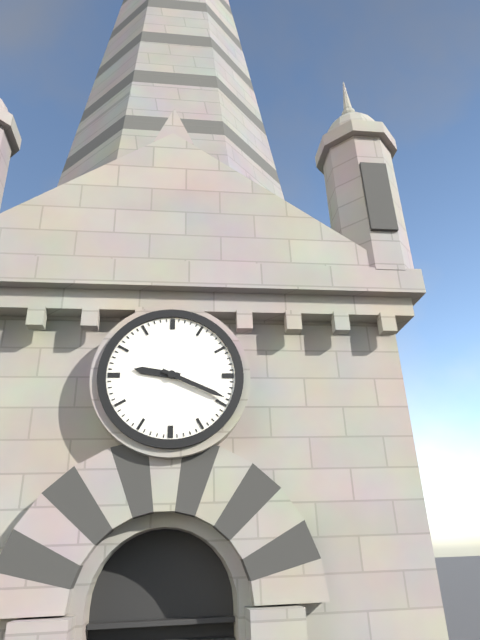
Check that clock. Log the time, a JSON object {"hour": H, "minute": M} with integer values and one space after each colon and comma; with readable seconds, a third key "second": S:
{"hour": 9, "minute": 19}
